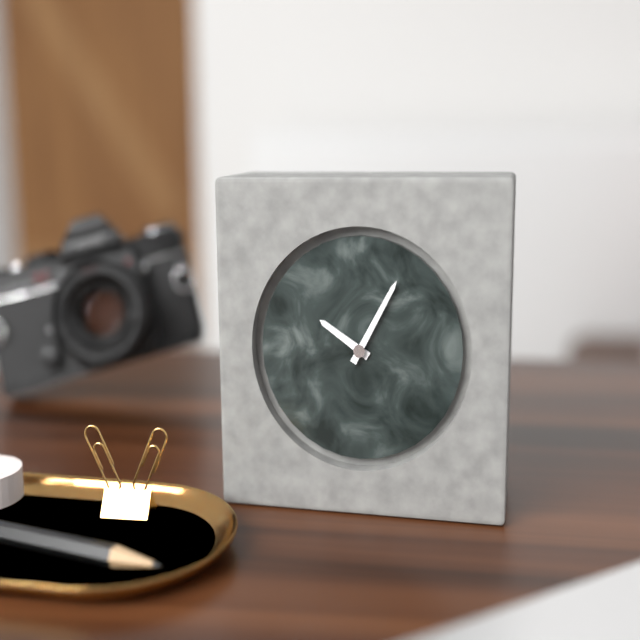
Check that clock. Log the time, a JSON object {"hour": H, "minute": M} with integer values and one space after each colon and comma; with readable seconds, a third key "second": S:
{"hour": 10, "minute": 5}
